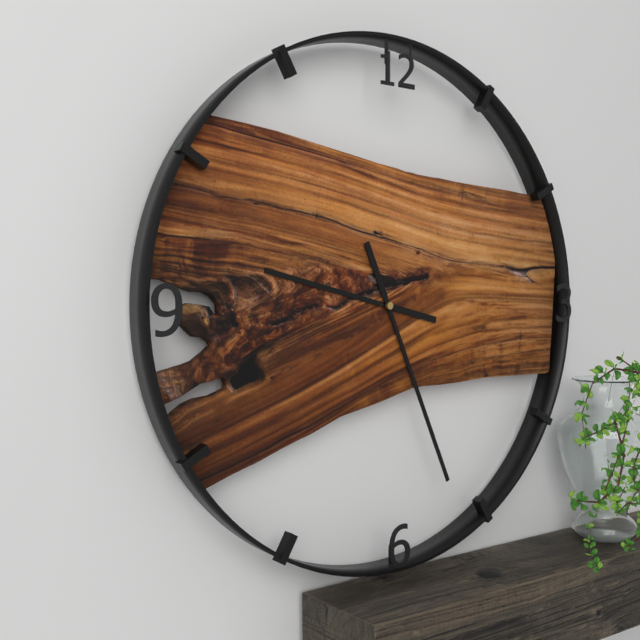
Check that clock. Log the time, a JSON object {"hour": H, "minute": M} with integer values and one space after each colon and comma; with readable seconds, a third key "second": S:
{"hour": 9, "minute": 26}
